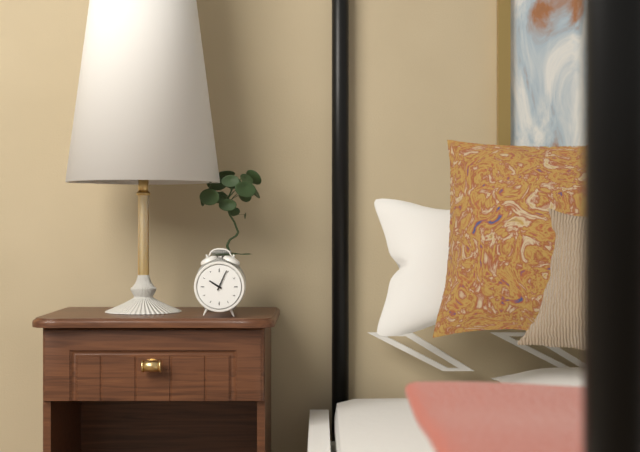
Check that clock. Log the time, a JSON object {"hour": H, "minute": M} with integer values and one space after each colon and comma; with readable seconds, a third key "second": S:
{"hour": 10, "minute": 4}
